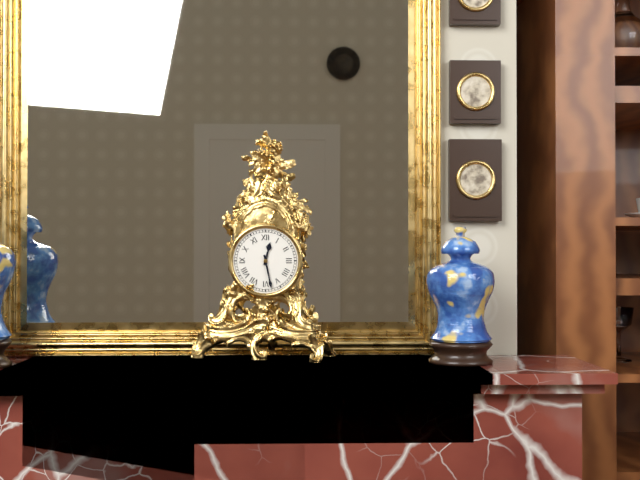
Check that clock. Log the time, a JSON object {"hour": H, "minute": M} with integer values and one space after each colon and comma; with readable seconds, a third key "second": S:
{"hour": 12, "minute": 28}
